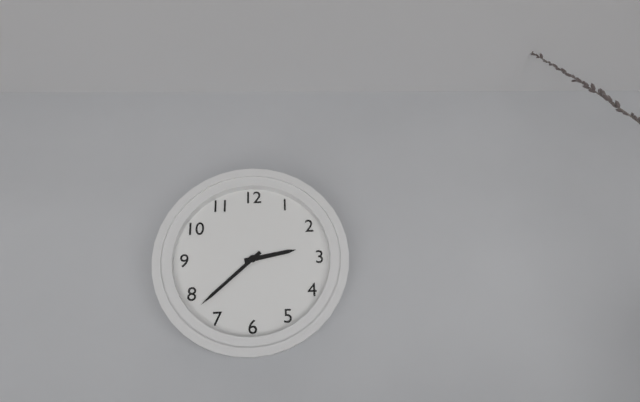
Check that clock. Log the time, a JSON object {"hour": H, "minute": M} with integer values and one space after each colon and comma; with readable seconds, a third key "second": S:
{"hour": 2, "minute": 38}
